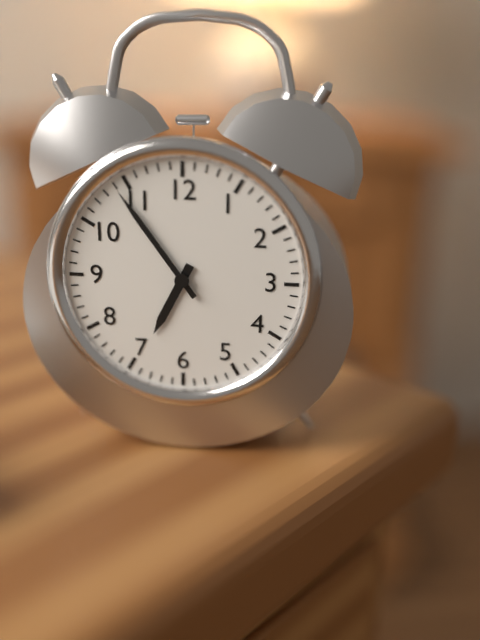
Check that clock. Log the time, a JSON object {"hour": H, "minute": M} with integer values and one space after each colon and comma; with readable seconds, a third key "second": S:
{"hour": 6, "minute": 54}
